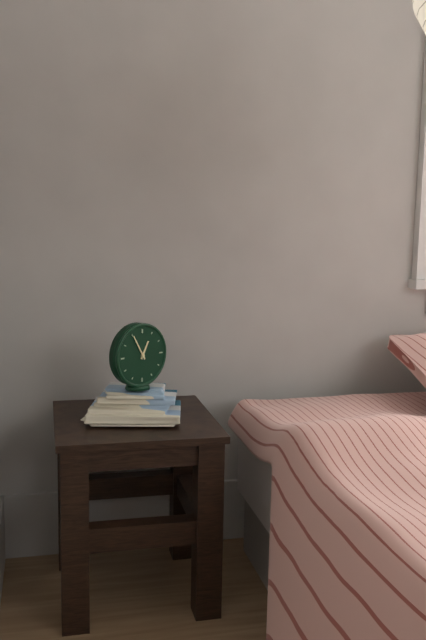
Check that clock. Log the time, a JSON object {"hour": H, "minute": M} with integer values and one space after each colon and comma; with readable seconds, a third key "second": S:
{"hour": 12, "minute": 55}
